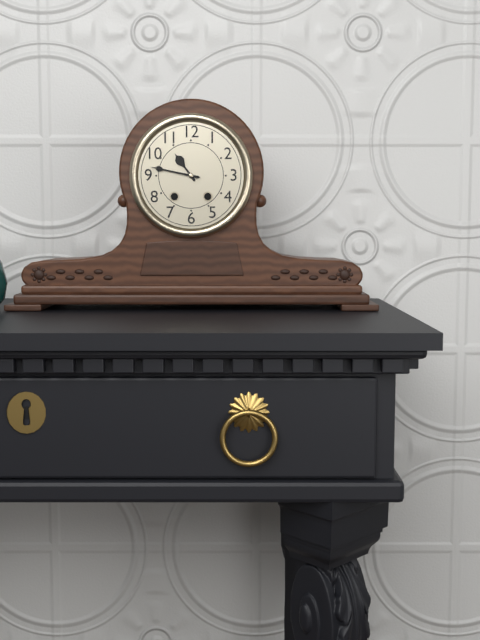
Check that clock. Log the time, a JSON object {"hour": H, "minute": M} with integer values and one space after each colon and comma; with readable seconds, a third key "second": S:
{"hour": 10, "minute": 47}
